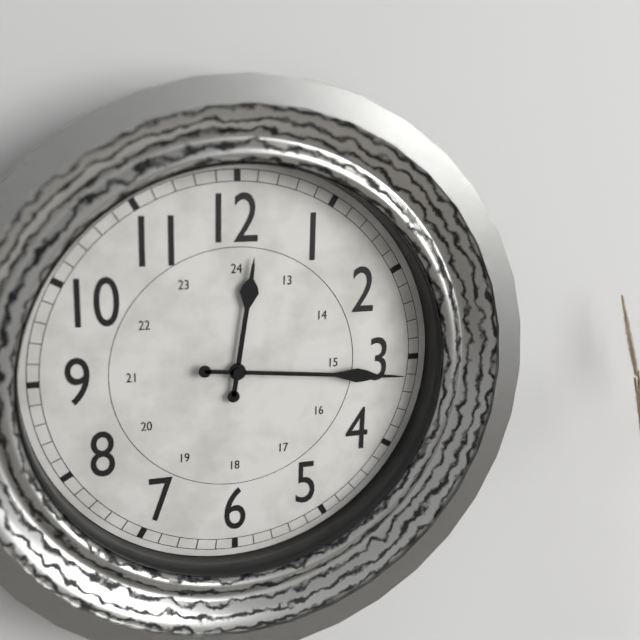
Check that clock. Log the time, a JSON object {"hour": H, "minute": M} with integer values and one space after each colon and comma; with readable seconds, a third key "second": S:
{"hour": 12, "minute": 16}
